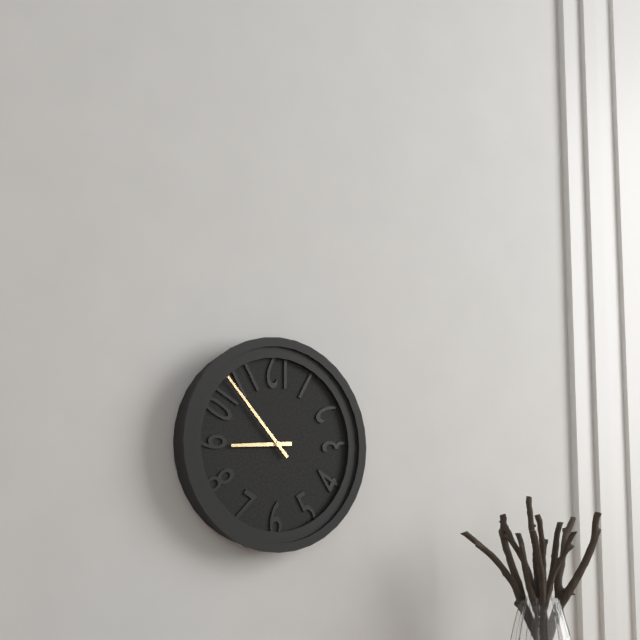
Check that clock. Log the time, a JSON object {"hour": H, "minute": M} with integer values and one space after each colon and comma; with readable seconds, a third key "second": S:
{"hour": 8, "minute": 53}
